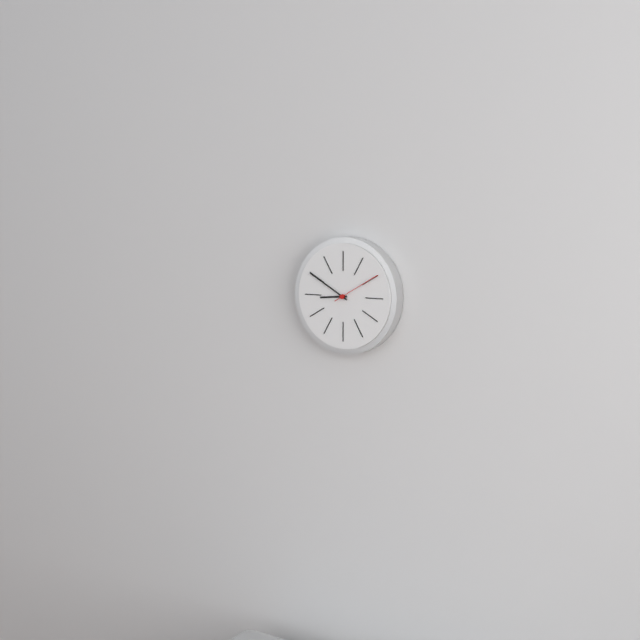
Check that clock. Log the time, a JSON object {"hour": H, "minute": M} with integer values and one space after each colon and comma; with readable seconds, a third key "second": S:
{"hour": 8, "minute": 50, "second": 10}
